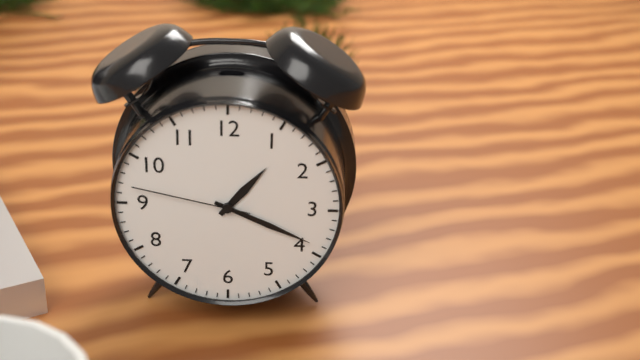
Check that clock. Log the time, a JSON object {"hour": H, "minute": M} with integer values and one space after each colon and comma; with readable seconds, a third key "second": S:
{"hour": 1, "minute": 19, "second": 47}
